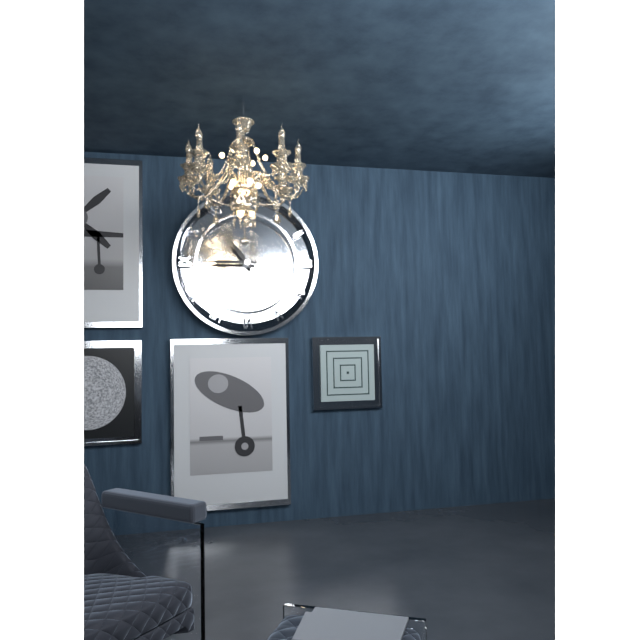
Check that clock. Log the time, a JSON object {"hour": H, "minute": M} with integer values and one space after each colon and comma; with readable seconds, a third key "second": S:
{"hour": 10, "minute": 45}
